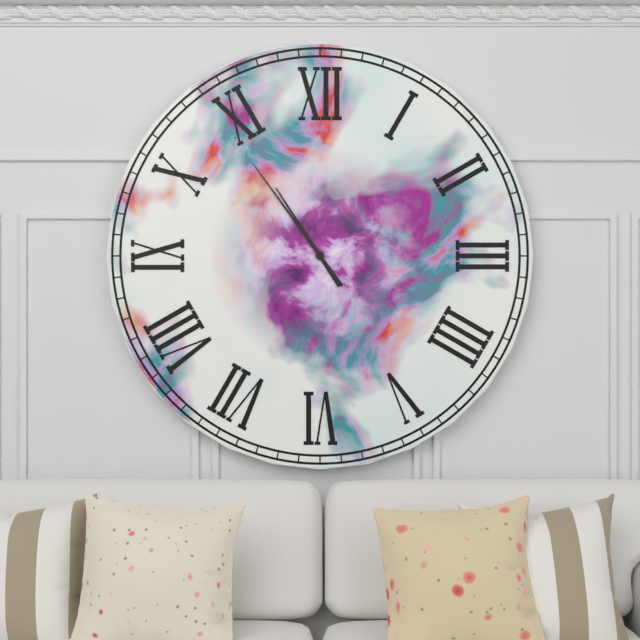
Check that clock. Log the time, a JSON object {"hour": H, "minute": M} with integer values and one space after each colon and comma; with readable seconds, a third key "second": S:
{"hour": 10, "minute": 54}
